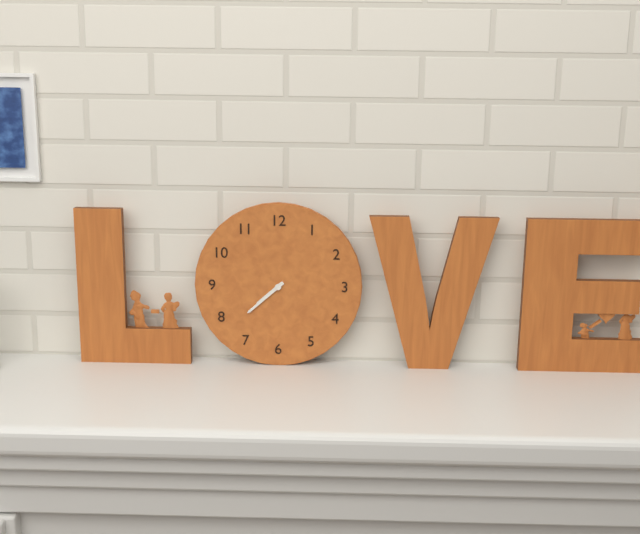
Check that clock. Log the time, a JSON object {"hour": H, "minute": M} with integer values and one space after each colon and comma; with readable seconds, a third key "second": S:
{"hour": 7, "minute": 38}
